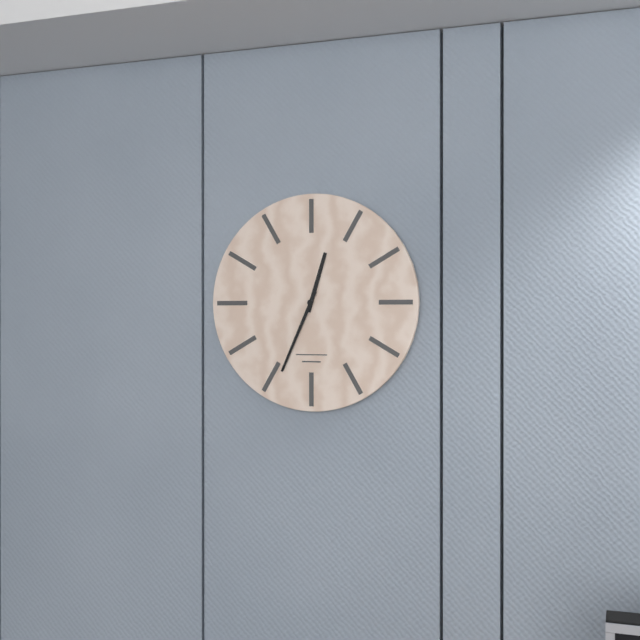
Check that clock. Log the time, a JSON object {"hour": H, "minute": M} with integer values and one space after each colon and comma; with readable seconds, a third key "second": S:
{"hour": 12, "minute": 34}
